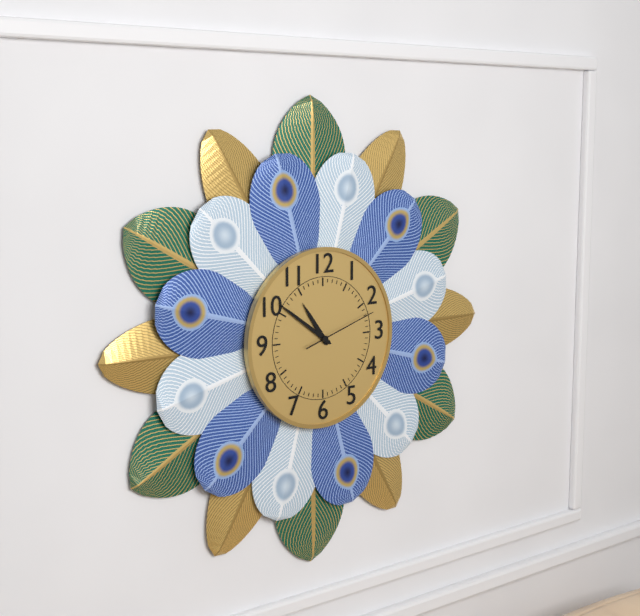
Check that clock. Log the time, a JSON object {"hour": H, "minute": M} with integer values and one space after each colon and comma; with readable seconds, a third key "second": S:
{"hour": 10, "minute": 51, "second": 12}
